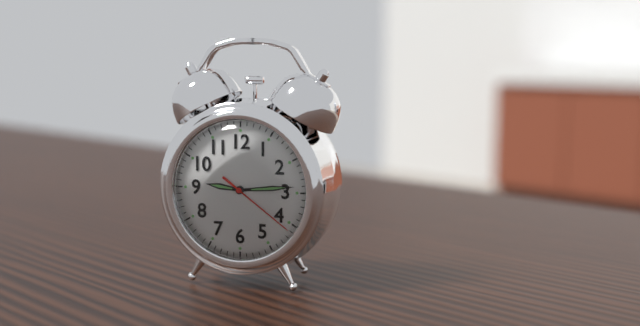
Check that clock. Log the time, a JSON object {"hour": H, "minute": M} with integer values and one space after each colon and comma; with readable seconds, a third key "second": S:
{"hour": 9, "minute": 14, "second": 21}
